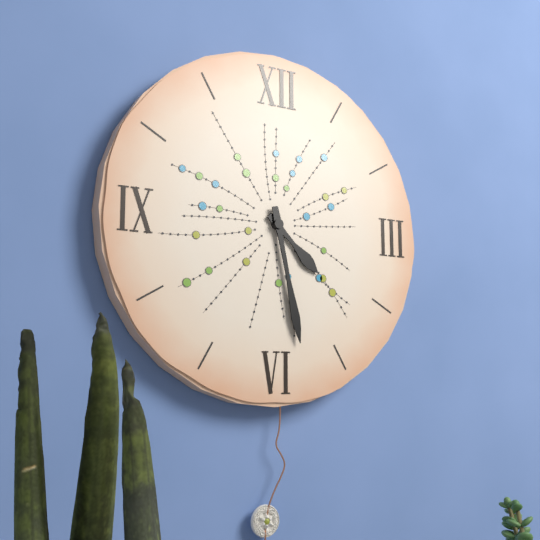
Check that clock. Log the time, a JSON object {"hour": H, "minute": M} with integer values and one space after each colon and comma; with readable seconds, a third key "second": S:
{"hour": 4, "minute": 28}
